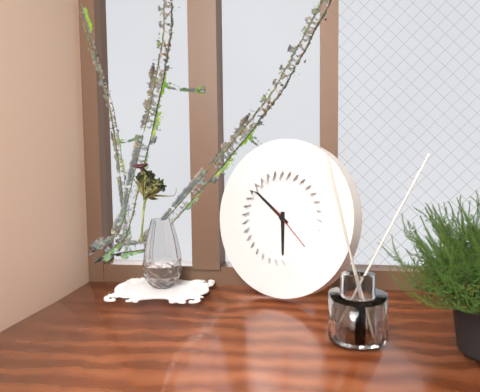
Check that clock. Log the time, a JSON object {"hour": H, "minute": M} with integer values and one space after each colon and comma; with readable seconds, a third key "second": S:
{"hour": 5, "minute": 51}
